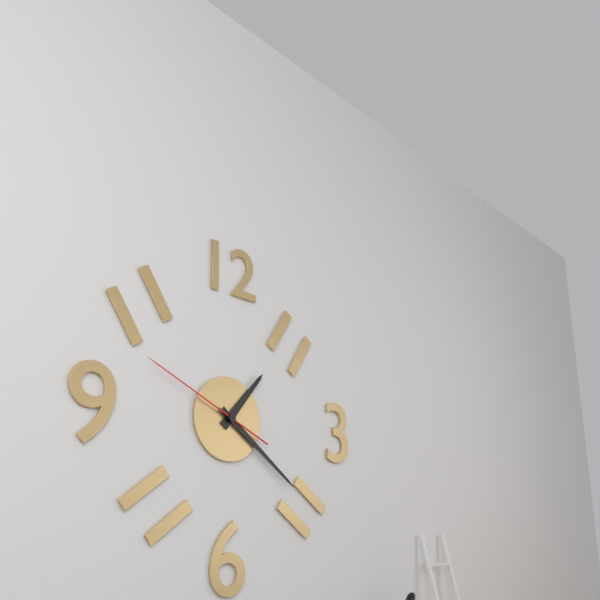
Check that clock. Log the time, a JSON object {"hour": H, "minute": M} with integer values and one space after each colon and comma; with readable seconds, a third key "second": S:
{"hour": 1, "minute": 21, "second": 49}
